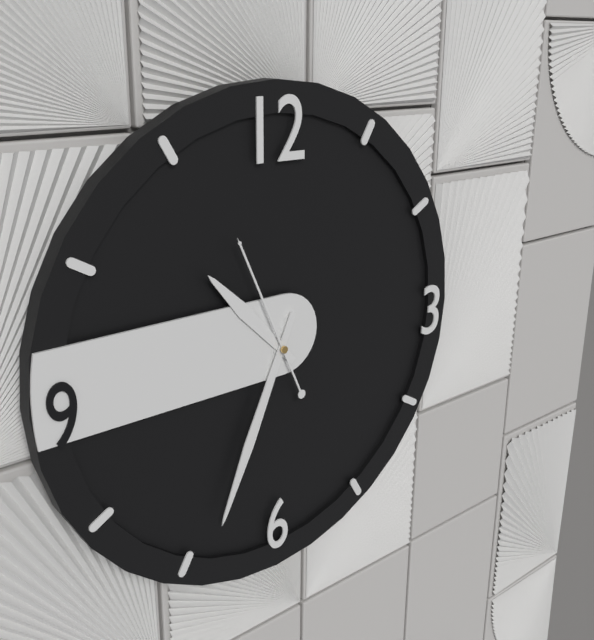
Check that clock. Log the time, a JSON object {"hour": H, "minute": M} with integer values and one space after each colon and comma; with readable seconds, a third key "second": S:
{"hour": 10, "minute": 34, "second": 56}
